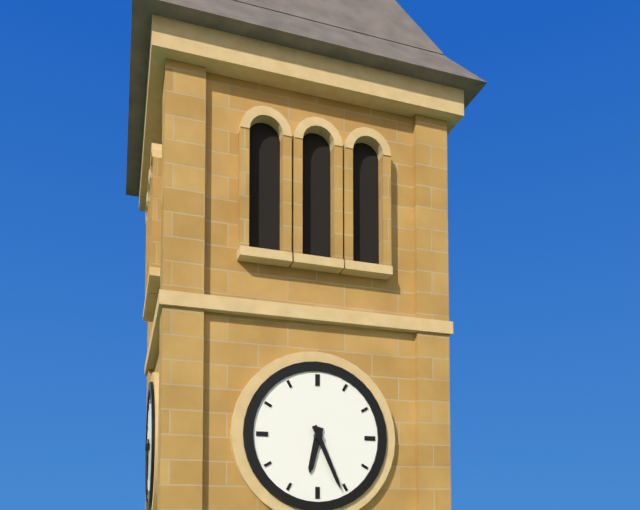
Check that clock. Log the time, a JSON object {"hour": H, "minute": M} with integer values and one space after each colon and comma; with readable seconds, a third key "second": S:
{"hour": 6, "minute": 26}
